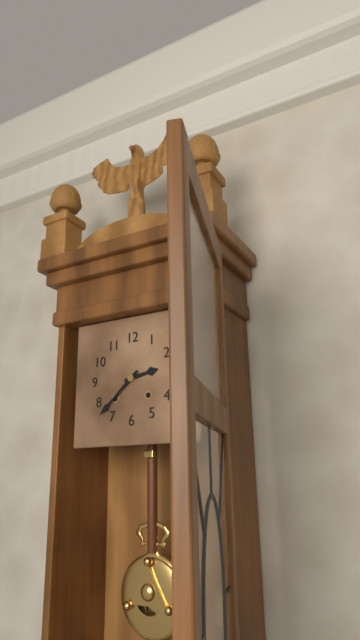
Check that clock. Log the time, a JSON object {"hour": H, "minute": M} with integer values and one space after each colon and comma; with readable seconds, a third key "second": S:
{"hour": 2, "minute": 38}
